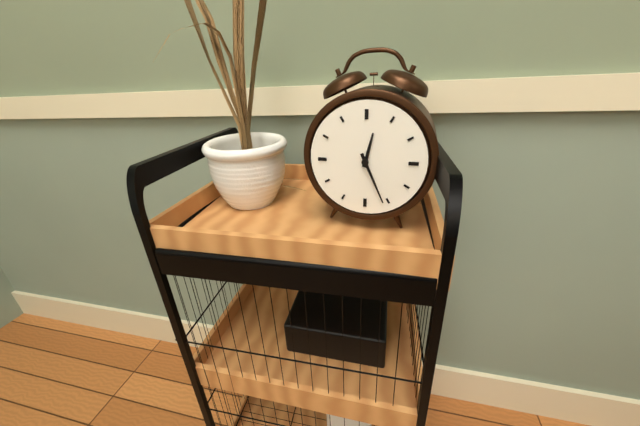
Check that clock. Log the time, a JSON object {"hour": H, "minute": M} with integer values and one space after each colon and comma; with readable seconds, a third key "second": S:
{"hour": 12, "minute": 26}
